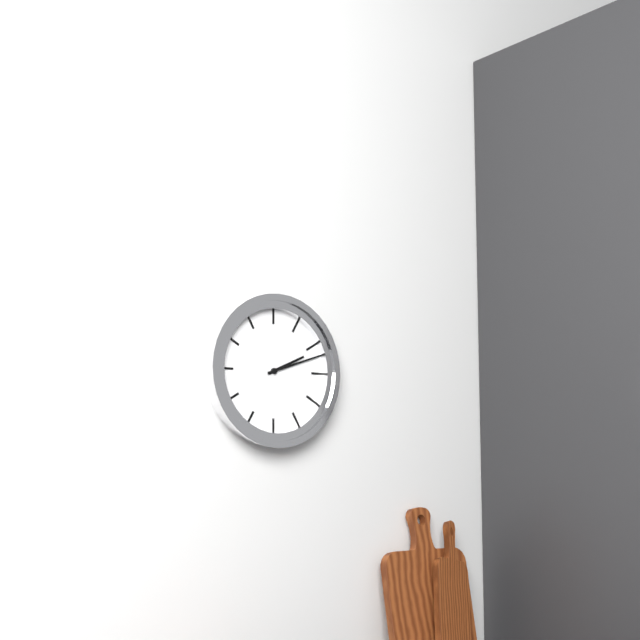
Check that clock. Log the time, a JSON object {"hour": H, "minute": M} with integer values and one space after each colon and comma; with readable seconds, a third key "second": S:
{"hour": 2, "minute": 12}
